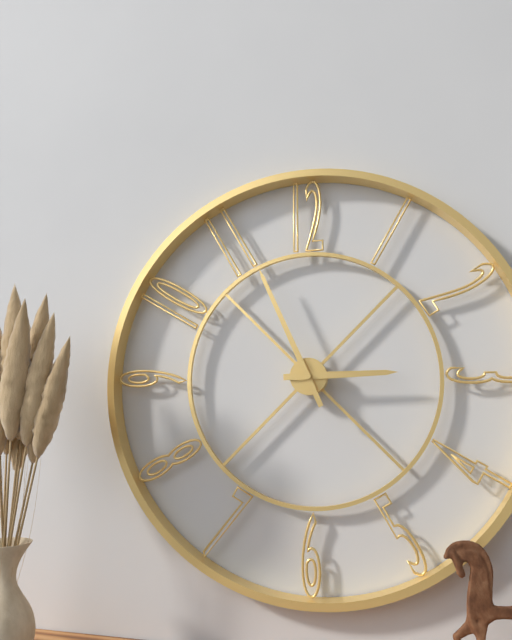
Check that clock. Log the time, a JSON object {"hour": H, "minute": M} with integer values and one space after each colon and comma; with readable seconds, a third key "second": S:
{"hour": 2, "minute": 56}
